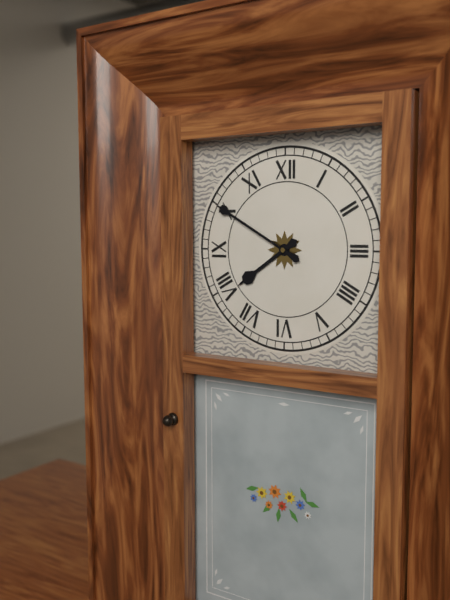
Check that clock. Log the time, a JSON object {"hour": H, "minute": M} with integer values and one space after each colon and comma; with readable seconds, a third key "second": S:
{"hour": 7, "minute": 50}
